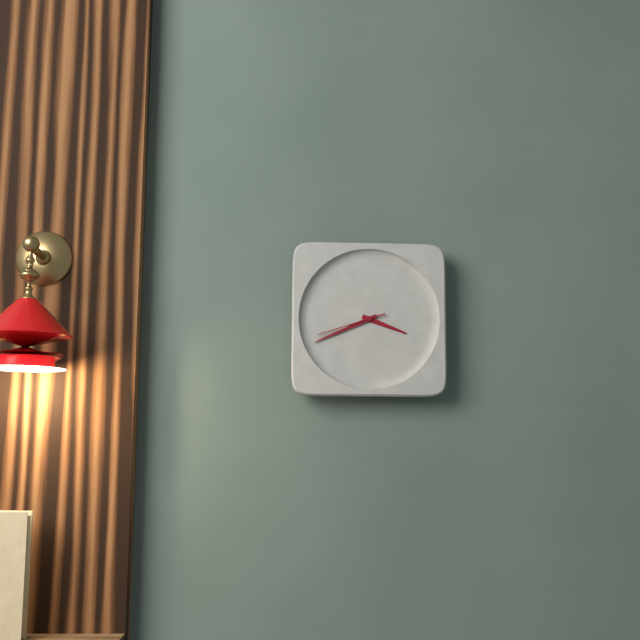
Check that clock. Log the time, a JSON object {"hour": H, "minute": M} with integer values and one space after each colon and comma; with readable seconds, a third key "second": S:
{"hour": 3, "minute": 41, "second": 42}
